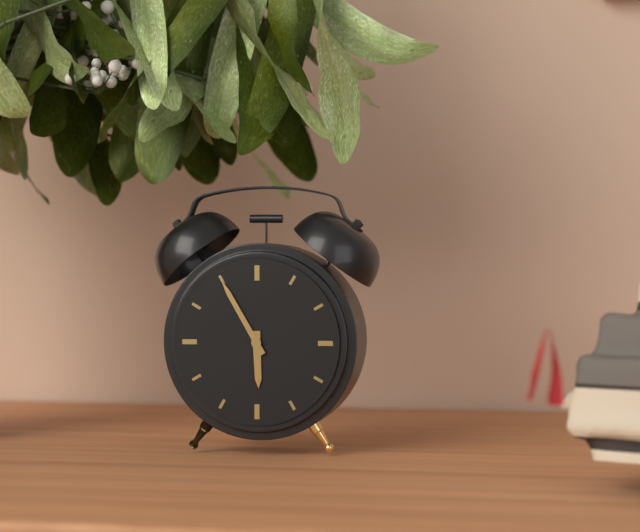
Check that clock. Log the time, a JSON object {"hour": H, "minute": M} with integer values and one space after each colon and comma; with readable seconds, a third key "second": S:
{"hour": 5, "minute": 55}
